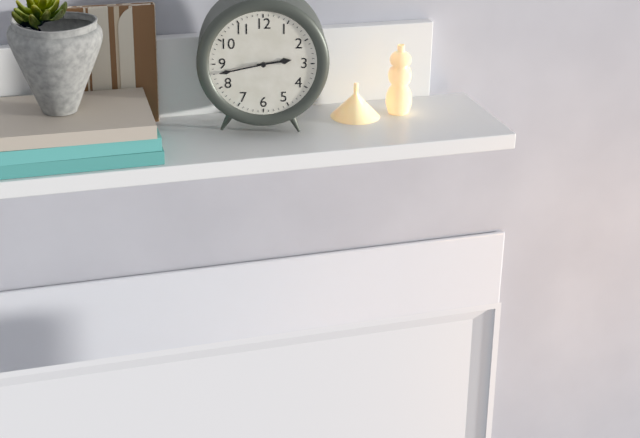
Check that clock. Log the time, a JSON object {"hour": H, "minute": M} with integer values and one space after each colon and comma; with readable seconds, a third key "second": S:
{"hour": 2, "minute": 43}
